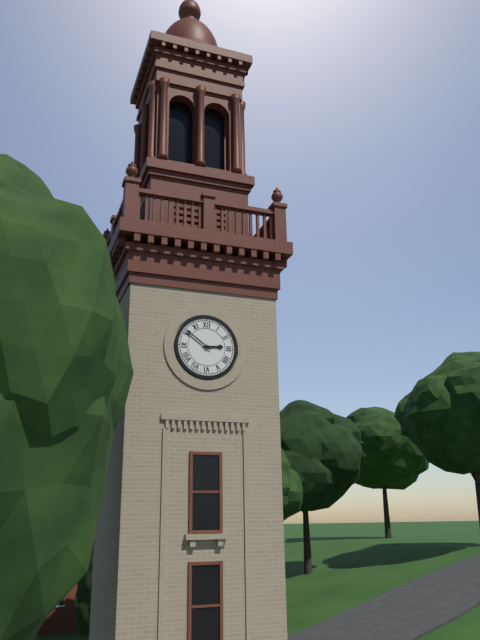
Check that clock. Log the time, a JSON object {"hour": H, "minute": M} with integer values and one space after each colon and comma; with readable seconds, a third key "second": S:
{"hour": 2, "minute": 51}
